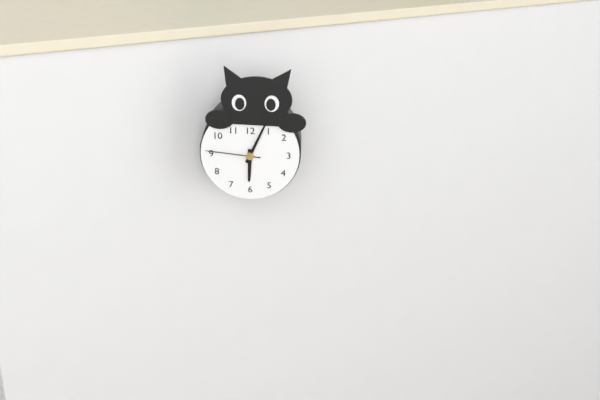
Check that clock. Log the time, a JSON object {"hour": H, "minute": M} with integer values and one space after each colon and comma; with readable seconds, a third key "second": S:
{"hour": 6, "minute": 4, "second": 46}
